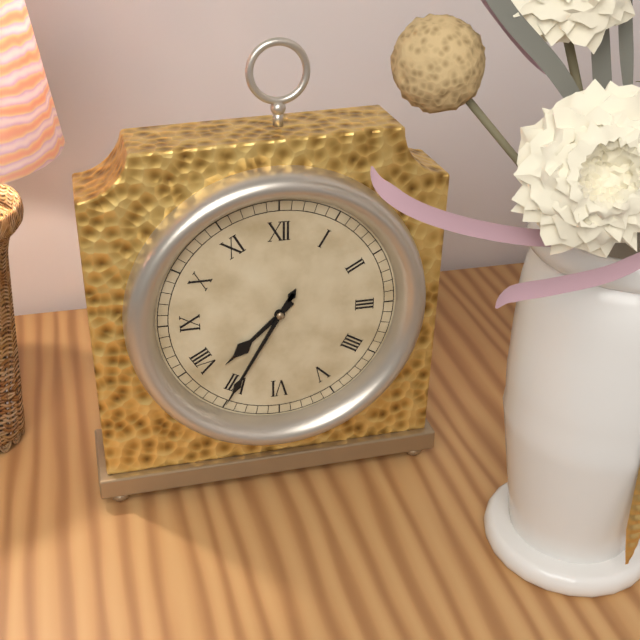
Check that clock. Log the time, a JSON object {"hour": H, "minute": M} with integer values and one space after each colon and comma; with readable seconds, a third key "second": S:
{"hour": 7, "minute": 35}
